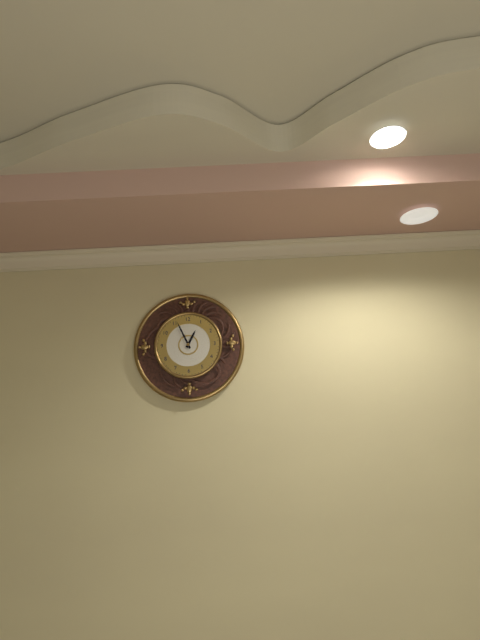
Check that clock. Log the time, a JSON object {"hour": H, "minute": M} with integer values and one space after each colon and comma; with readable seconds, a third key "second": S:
{"hour": 12, "minute": 56}
